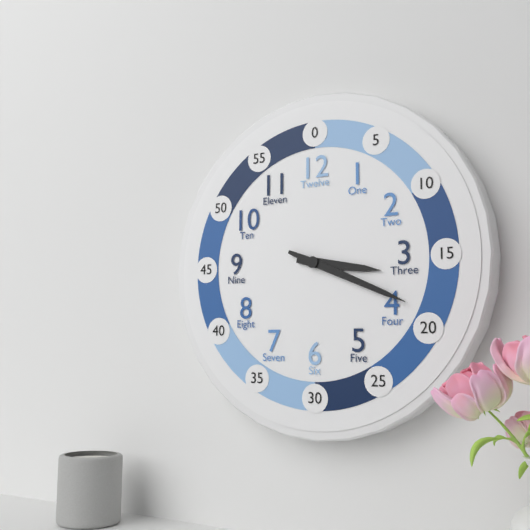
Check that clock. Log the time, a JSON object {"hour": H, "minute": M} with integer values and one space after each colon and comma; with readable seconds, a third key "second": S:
{"hour": 3, "minute": 19}
